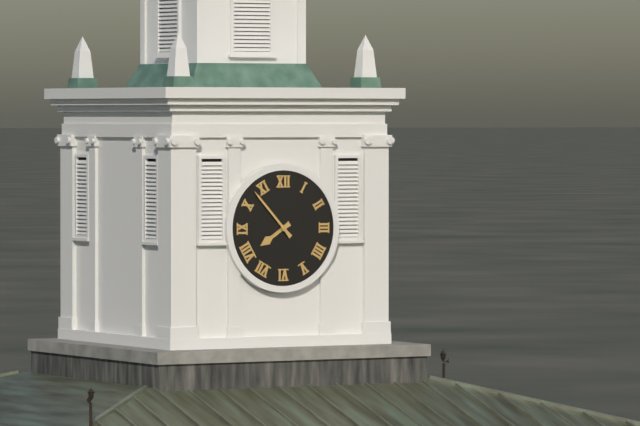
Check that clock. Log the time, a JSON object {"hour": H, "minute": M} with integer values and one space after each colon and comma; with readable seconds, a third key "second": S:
{"hour": 7, "minute": 53}
